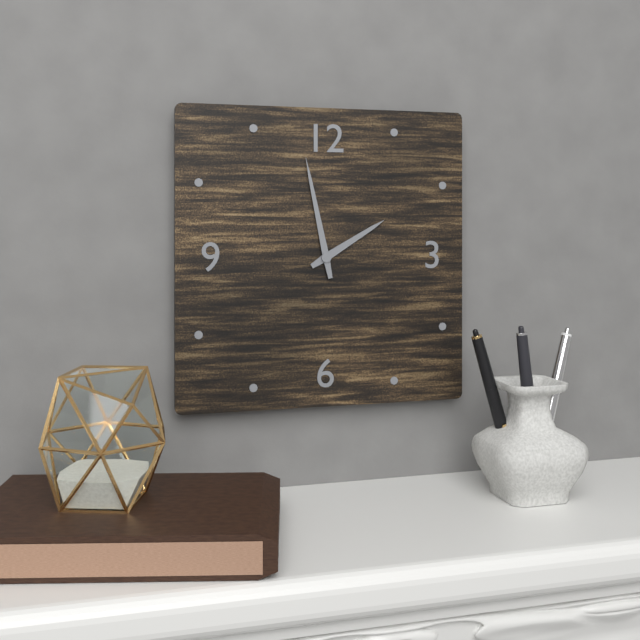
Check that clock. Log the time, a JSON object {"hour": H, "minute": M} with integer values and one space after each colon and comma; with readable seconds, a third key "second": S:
{"hour": 1, "minute": 58}
